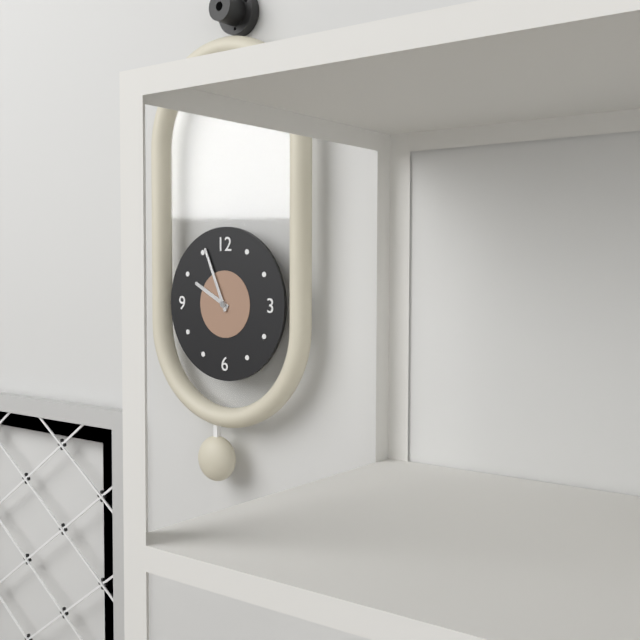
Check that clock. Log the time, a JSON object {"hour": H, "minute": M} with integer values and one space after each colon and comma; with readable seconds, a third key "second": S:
{"hour": 9, "minute": 56}
